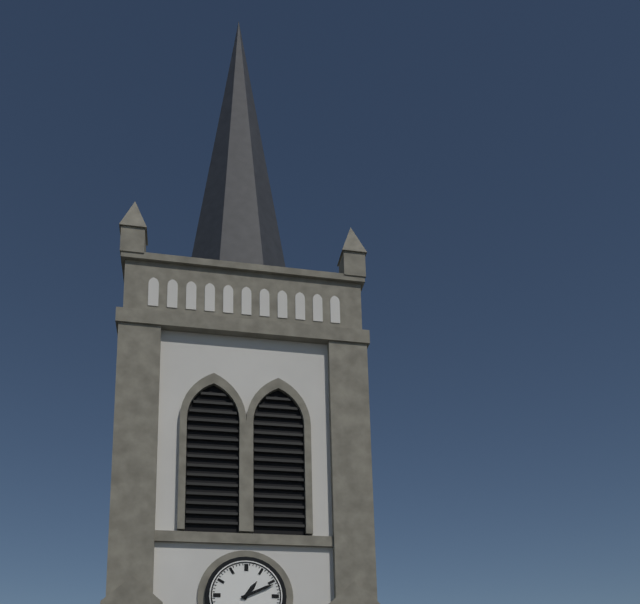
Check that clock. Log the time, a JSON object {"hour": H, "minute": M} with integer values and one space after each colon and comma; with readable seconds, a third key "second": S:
{"hour": 1, "minute": 11}
